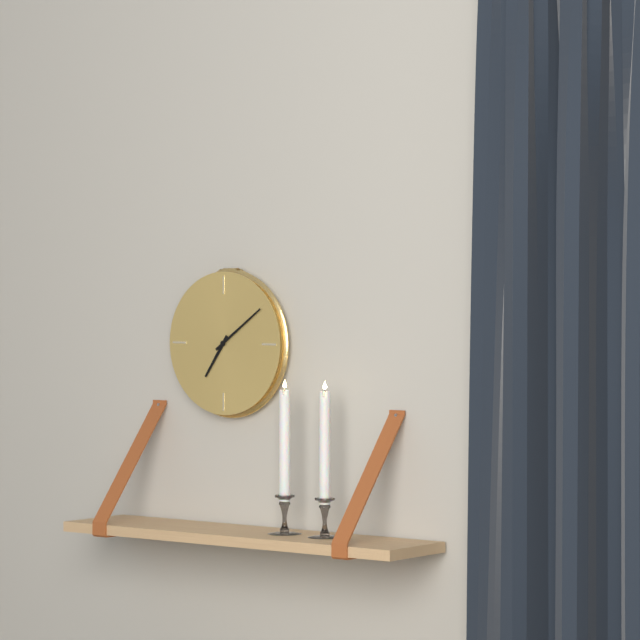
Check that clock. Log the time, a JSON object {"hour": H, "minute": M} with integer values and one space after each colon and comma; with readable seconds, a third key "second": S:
{"hour": 7, "minute": 9}
